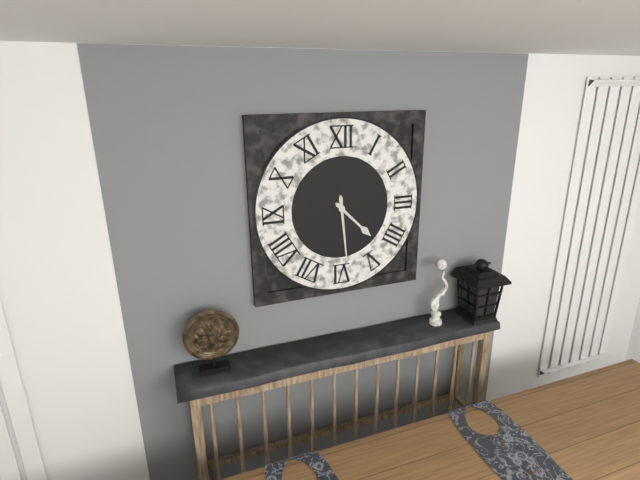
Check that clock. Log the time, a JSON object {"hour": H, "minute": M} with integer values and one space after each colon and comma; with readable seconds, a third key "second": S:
{"hour": 4, "minute": 29}
